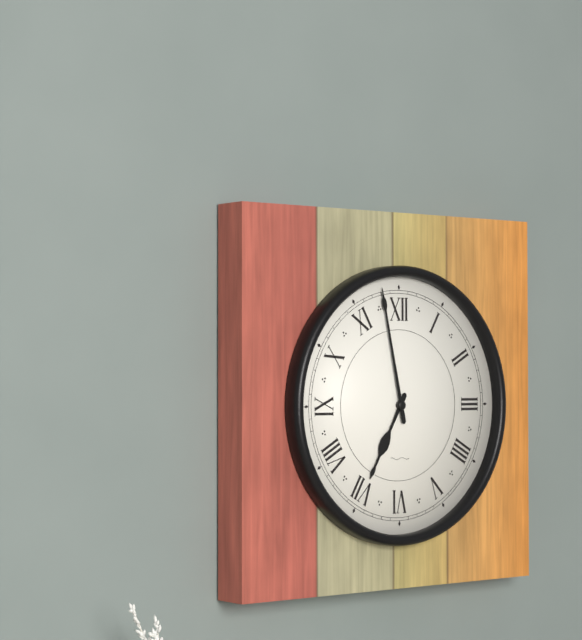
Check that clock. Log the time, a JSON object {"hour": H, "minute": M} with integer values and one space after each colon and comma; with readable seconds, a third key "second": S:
{"hour": 6, "minute": 58}
